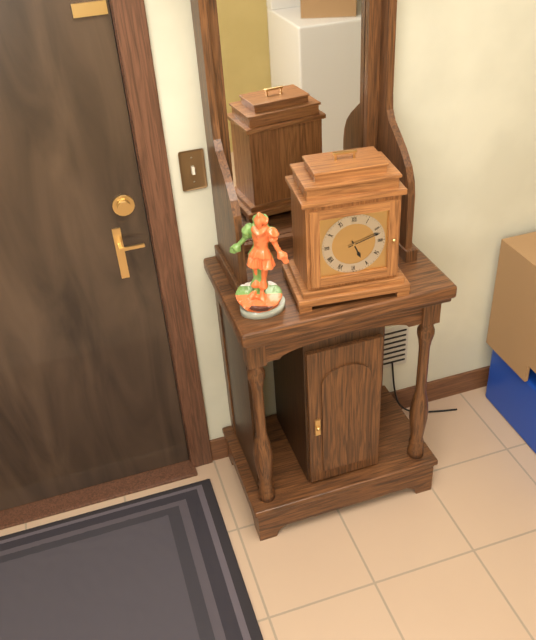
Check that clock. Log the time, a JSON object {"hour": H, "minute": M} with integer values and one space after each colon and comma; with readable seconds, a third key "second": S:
{"hour": 5, "minute": 12}
